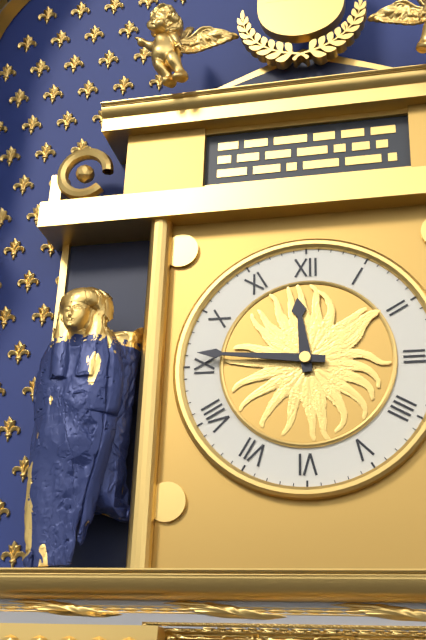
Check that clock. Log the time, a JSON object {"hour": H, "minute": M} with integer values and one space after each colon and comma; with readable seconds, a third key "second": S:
{"hour": 11, "minute": 46}
